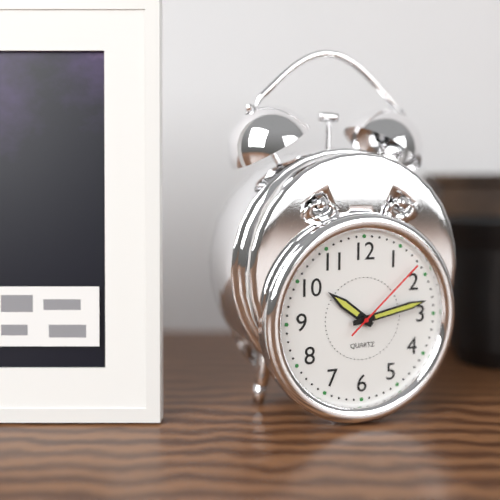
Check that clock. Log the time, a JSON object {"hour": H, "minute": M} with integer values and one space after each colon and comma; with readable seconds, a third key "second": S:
{"hour": 10, "minute": 13, "second": 8}
